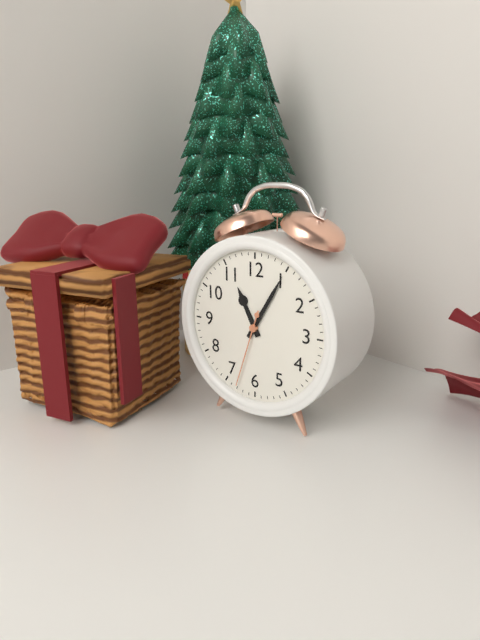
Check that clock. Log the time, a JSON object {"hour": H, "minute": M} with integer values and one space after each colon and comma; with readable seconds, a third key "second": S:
{"hour": 11, "minute": 5, "second": 33}
